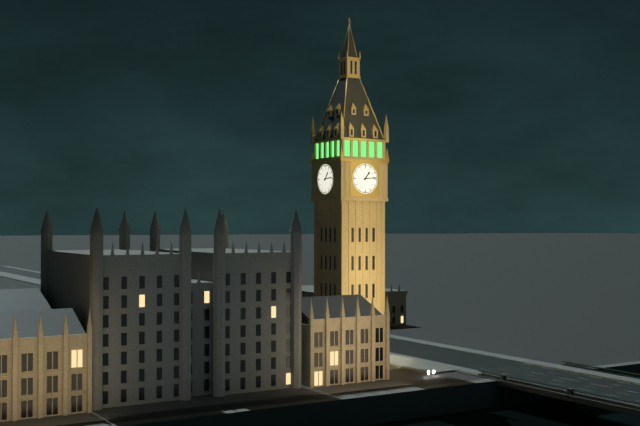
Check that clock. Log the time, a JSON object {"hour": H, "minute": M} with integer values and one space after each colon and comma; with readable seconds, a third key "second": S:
{"hour": 1, "minute": 14}
